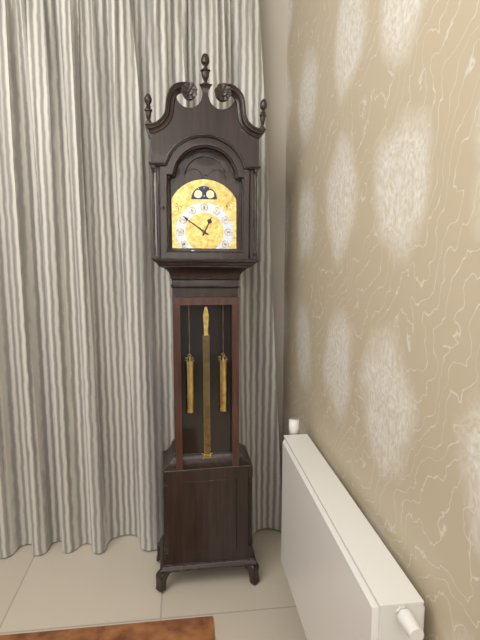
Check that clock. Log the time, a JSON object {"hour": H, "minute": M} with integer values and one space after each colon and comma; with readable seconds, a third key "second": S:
{"hour": 12, "minute": 51}
